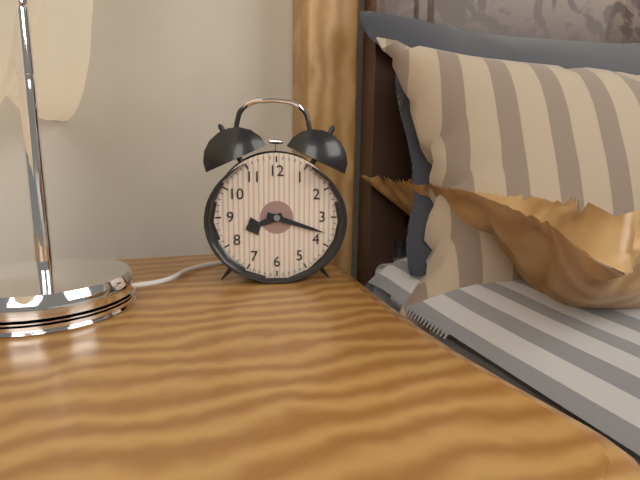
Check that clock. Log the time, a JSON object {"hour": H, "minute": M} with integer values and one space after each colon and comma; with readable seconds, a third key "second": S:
{"hour": 8, "minute": 18}
